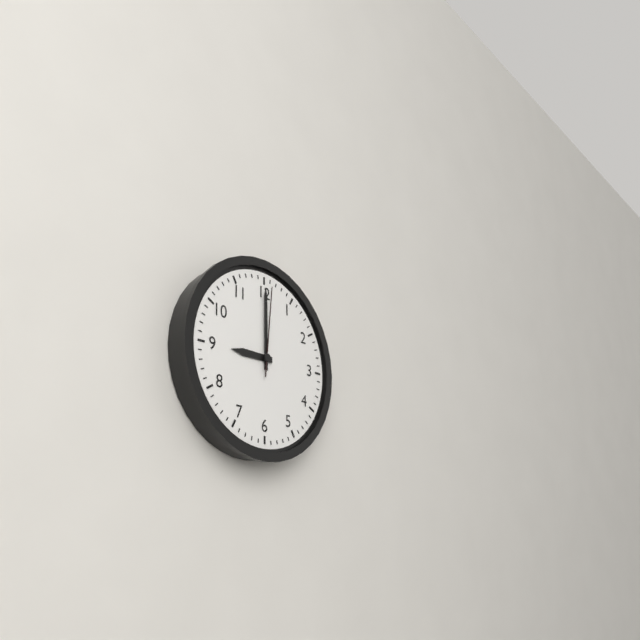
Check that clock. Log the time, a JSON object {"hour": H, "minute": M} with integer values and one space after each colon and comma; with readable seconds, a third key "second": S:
{"hour": 9, "minute": 0, "second": 1}
